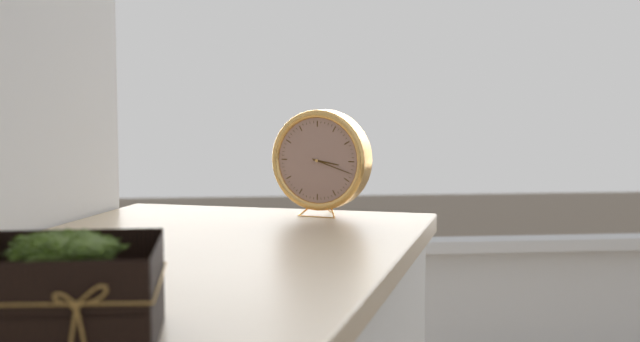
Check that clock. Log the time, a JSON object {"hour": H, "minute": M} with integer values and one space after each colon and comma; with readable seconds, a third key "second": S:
{"hour": 3, "minute": 18}
